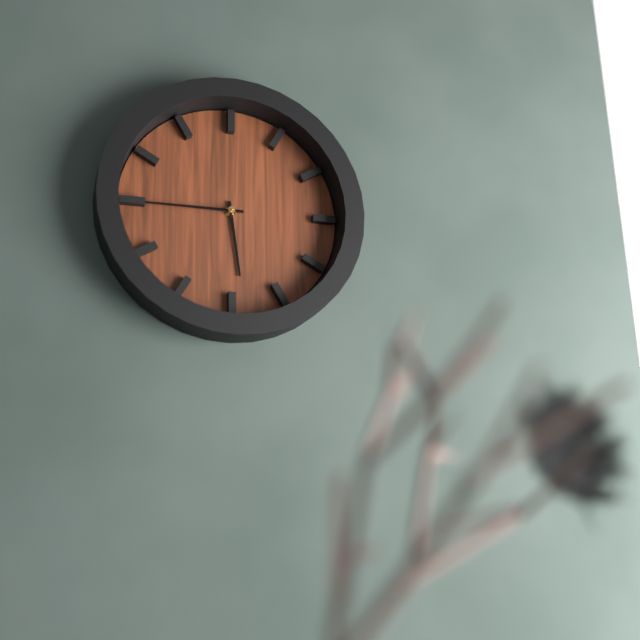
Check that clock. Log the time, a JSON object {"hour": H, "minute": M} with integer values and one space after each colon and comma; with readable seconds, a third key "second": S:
{"hour": 5, "minute": 45}
